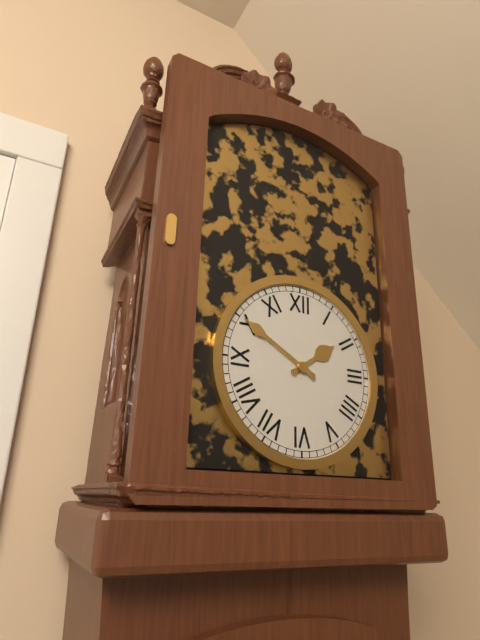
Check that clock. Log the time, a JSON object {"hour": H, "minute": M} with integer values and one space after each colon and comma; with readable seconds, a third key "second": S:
{"hour": 1, "minute": 50}
